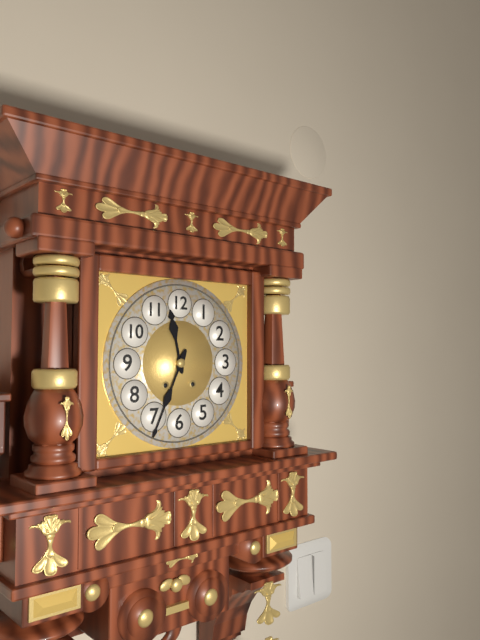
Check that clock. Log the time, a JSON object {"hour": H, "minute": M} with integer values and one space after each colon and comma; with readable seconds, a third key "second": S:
{"hour": 11, "minute": 34}
